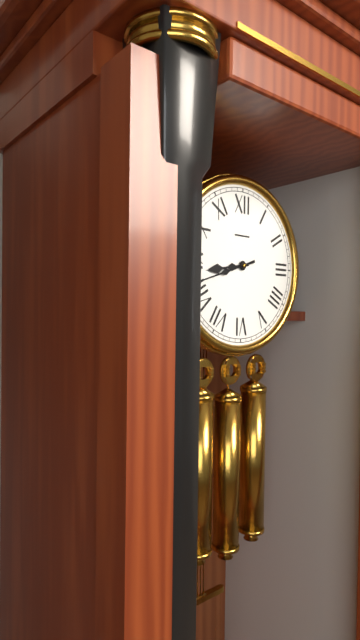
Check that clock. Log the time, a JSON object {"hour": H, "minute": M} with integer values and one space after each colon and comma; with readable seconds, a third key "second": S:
{"hour": 8, "minute": 42}
